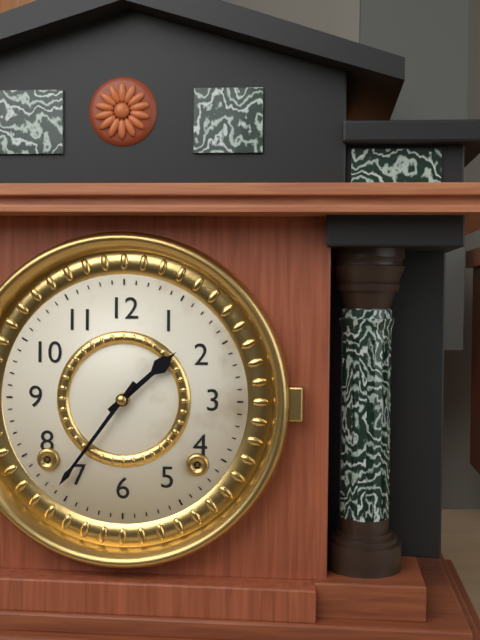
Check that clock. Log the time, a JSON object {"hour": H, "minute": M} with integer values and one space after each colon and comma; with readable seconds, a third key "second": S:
{"hour": 1, "minute": 36}
